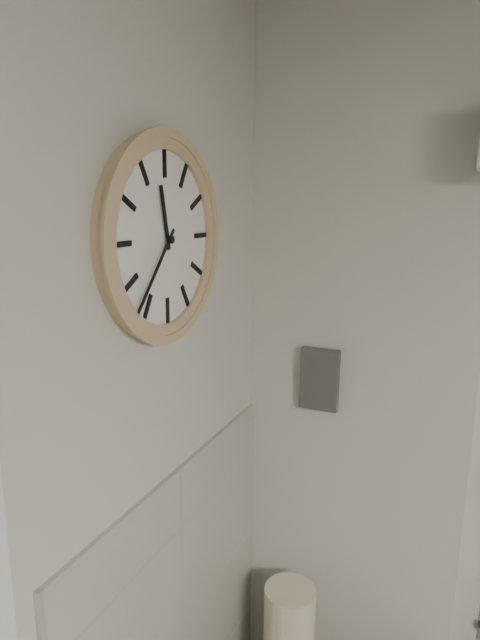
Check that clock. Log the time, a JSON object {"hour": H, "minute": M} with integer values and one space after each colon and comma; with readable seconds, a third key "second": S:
{"hour": 11, "minute": 37}
